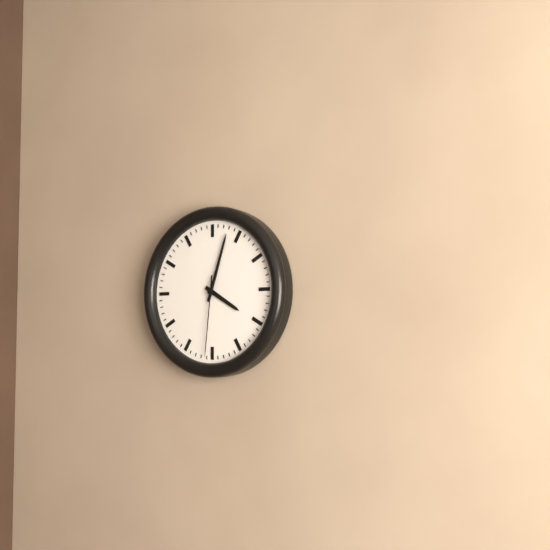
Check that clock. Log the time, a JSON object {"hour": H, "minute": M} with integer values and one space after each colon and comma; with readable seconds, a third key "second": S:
{"hour": 4, "minute": 3, "second": 31}
